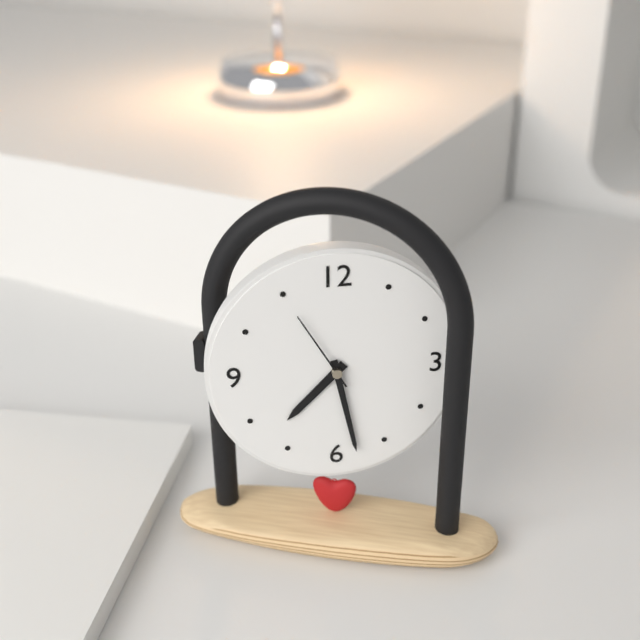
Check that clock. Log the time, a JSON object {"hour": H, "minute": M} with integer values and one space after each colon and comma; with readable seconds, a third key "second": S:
{"hour": 7, "minute": 28, "second": 55}
